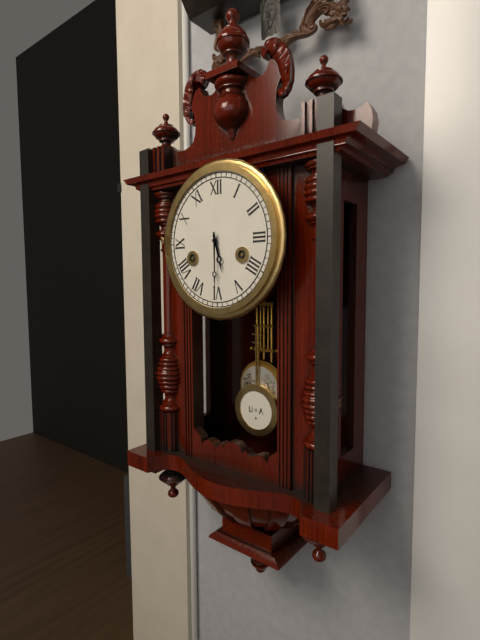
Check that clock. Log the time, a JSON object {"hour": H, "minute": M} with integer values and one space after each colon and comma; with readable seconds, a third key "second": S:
{"hour": 5, "minute": 30}
